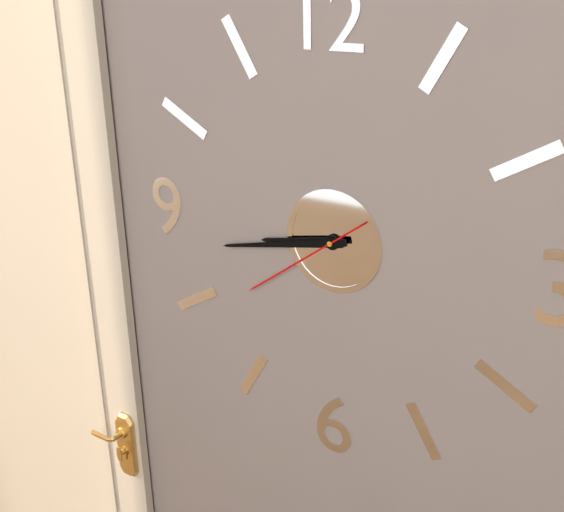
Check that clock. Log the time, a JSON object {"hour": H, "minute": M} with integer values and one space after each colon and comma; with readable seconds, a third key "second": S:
{"hour": 8, "minute": 43, "second": 39}
